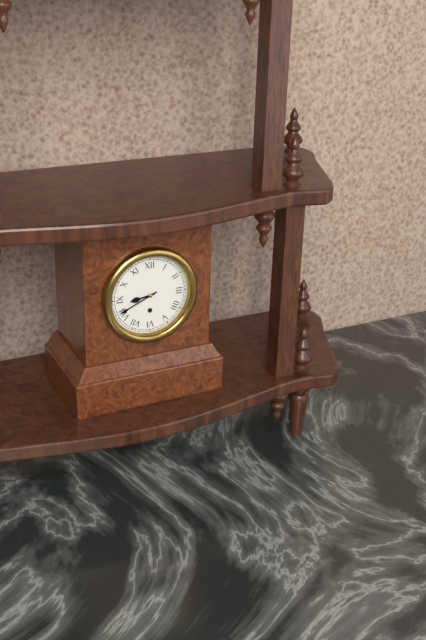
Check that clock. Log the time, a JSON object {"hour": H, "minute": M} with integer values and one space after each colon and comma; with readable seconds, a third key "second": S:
{"hour": 8, "minute": 41}
